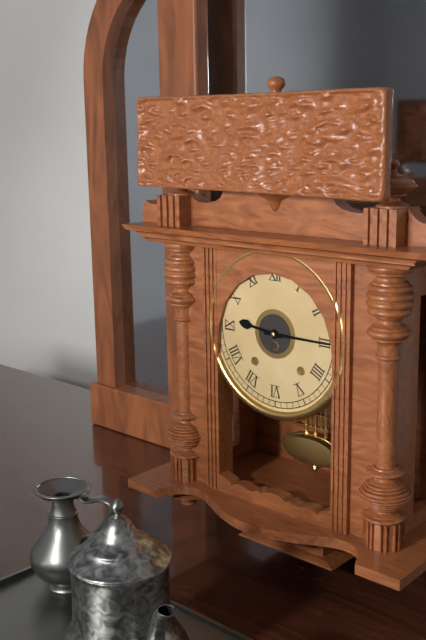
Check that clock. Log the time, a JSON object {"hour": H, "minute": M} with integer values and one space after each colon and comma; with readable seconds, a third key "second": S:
{"hour": 9, "minute": 15}
